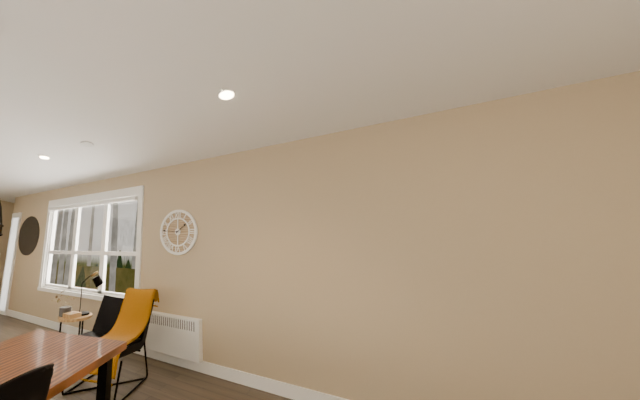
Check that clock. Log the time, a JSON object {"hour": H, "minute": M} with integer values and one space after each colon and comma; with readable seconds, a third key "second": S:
{"hour": 1, "minute": 46}
